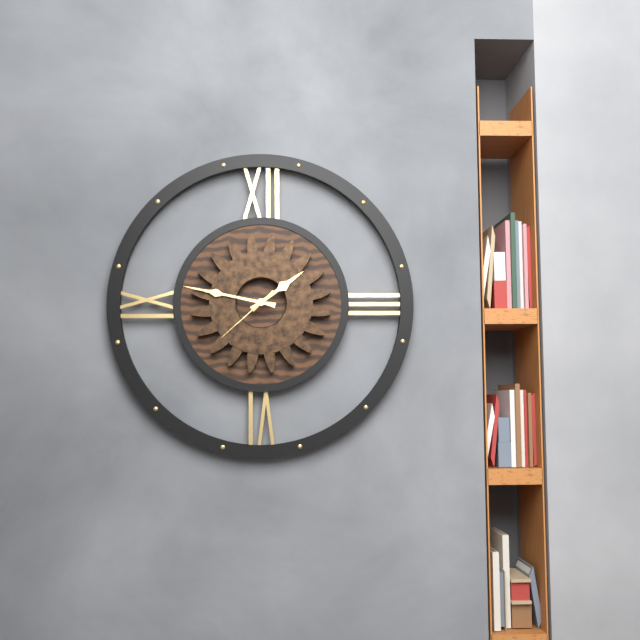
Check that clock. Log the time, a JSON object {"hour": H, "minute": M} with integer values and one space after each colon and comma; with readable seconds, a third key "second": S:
{"hour": 1, "minute": 47, "second": 38}
